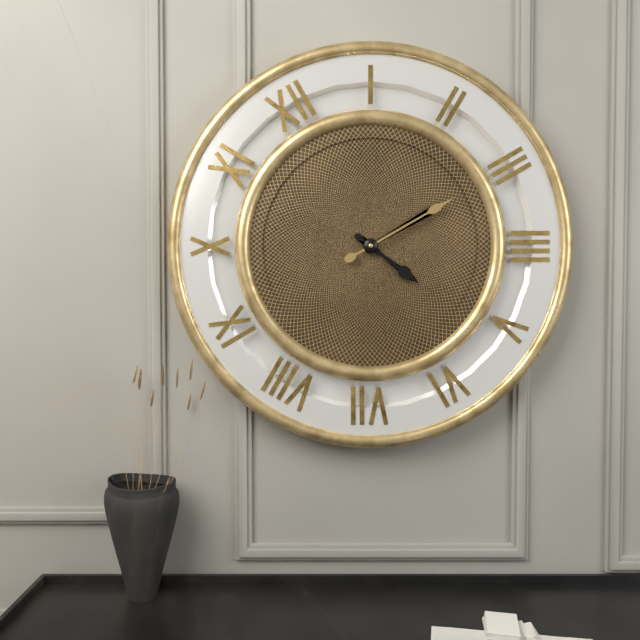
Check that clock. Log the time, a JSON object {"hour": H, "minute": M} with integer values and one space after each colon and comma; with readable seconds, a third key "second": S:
{"hour": 5, "minute": 15}
